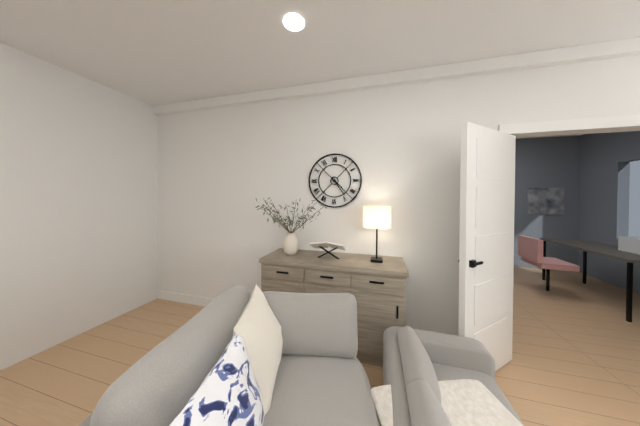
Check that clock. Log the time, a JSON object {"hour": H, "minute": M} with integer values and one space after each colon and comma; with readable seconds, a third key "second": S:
{"hour": 4, "minute": 24}
